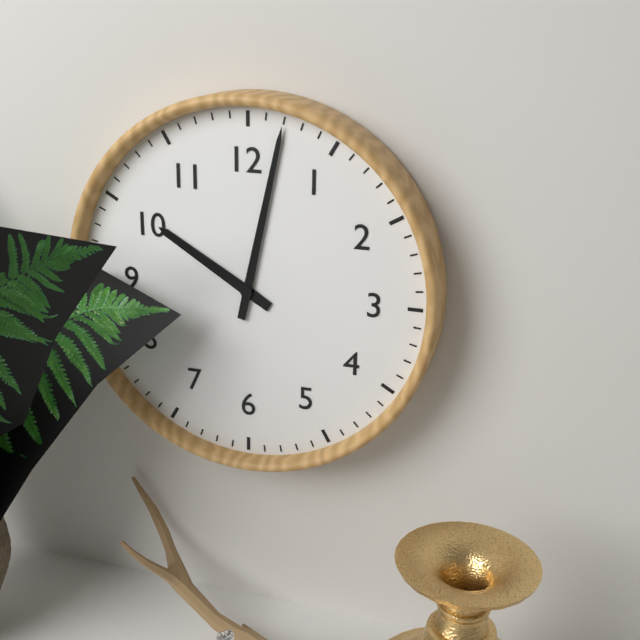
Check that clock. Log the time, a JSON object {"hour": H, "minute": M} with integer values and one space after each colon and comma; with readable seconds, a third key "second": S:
{"hour": 10, "minute": 2}
